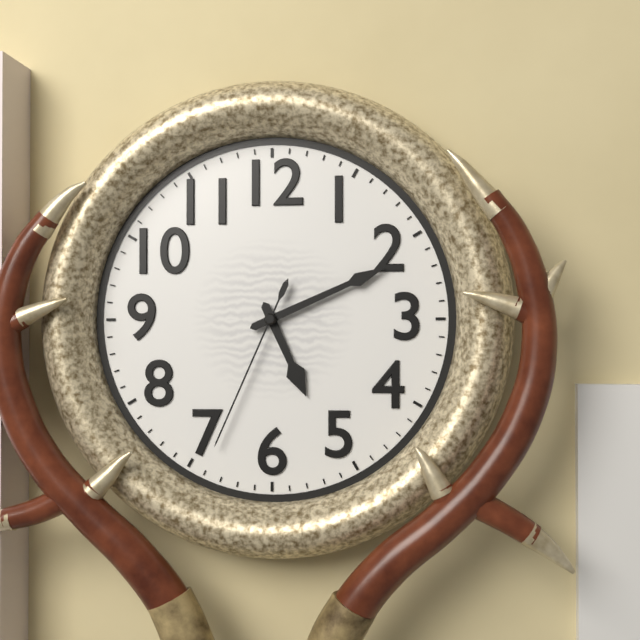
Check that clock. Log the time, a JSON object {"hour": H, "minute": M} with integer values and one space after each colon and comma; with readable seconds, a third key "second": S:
{"hour": 5, "minute": 11, "second": 34}
